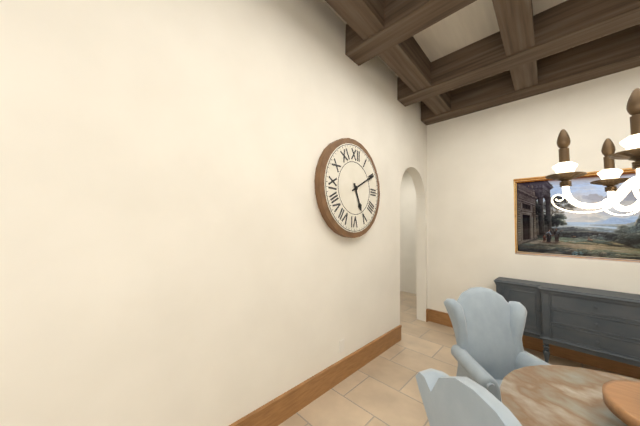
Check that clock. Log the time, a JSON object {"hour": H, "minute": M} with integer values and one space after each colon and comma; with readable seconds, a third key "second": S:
{"hour": 5, "minute": 10}
